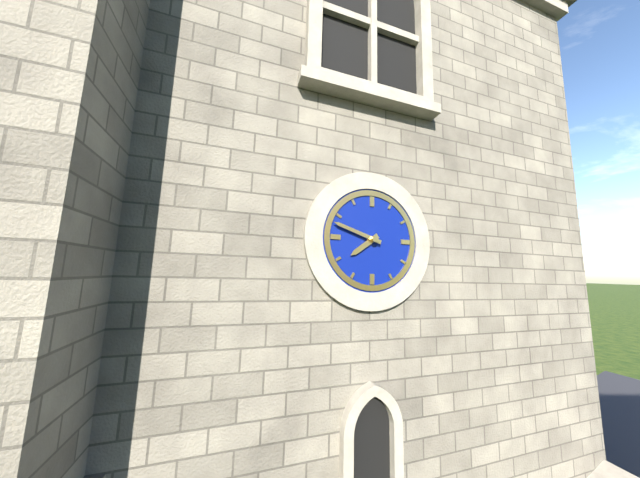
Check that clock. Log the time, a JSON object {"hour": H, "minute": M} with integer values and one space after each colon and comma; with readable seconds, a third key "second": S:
{"hour": 7, "minute": 48}
